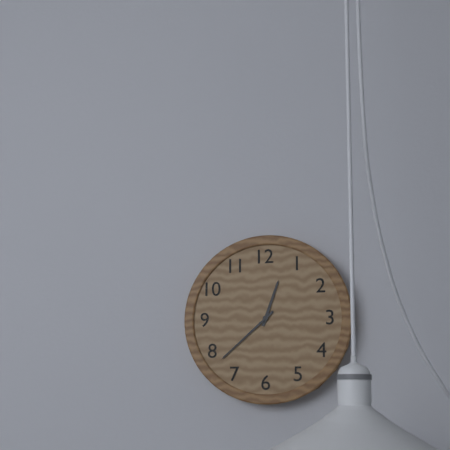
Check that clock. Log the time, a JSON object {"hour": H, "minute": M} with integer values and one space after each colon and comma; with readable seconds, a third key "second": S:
{"hour": 12, "minute": 38}
